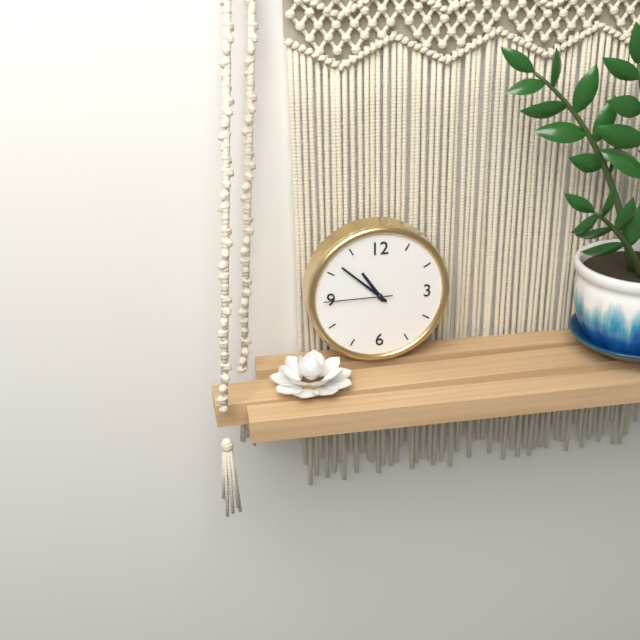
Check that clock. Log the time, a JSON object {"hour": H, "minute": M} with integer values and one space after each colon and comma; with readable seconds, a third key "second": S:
{"hour": 10, "minute": 52, "second": 45}
